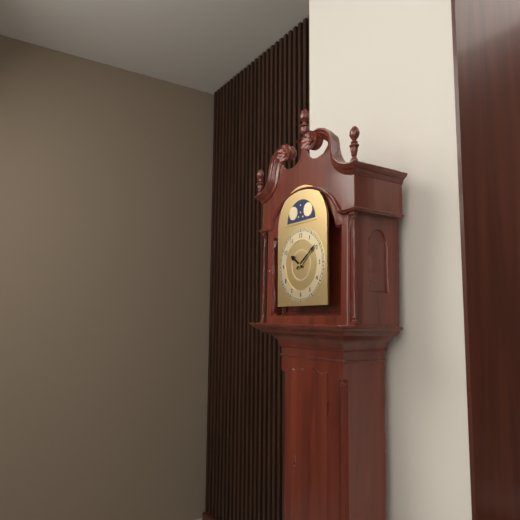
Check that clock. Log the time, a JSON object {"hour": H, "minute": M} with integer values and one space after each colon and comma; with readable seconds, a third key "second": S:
{"hour": 10, "minute": 9}
